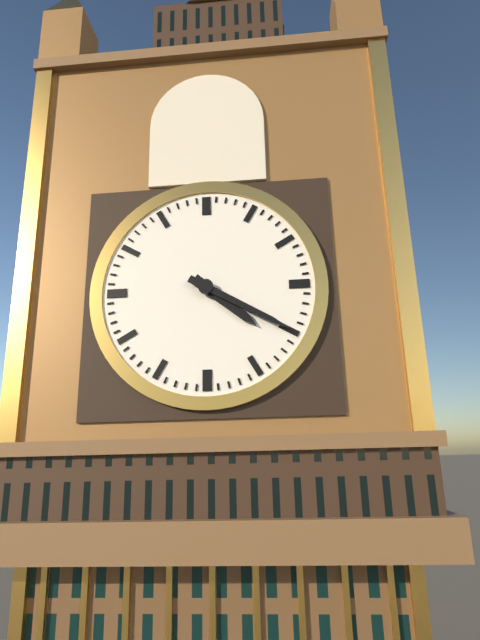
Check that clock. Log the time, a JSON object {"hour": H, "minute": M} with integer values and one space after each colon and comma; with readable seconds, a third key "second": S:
{"hour": 4, "minute": 20}
